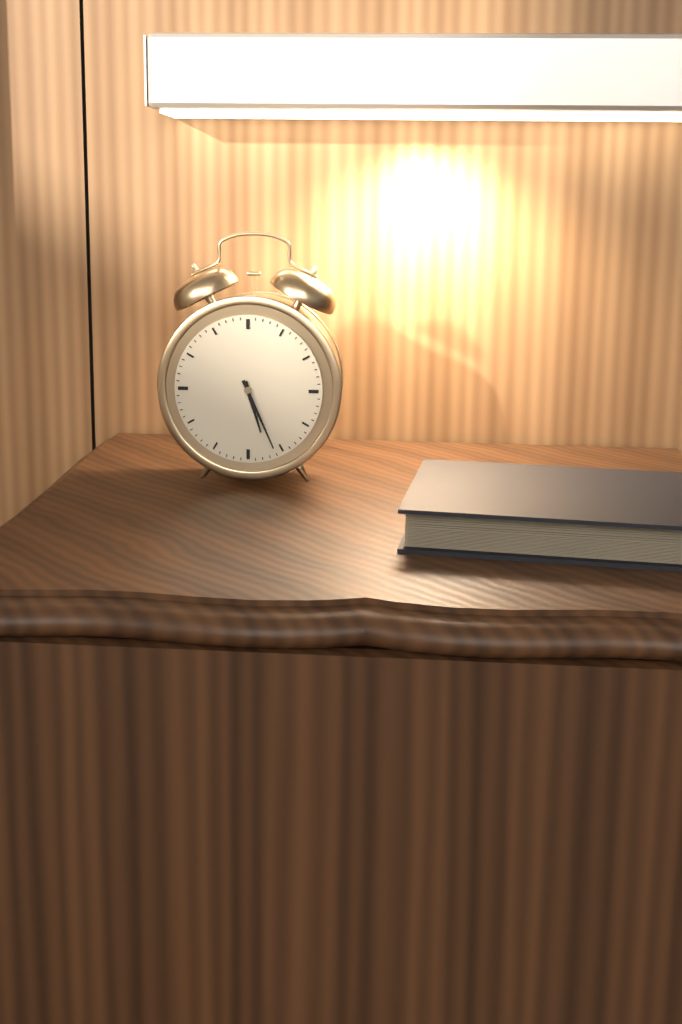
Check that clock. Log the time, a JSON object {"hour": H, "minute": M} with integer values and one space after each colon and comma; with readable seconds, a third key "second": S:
{"hour": 5, "minute": 26}
